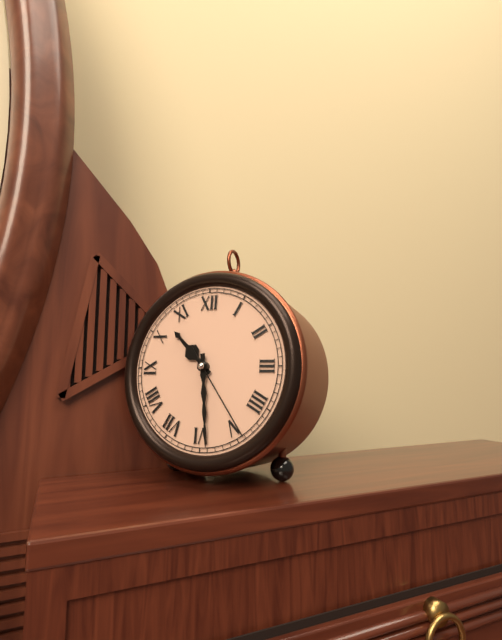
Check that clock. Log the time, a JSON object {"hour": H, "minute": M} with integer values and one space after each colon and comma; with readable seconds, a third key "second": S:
{"hour": 10, "minute": 29, "second": 24}
